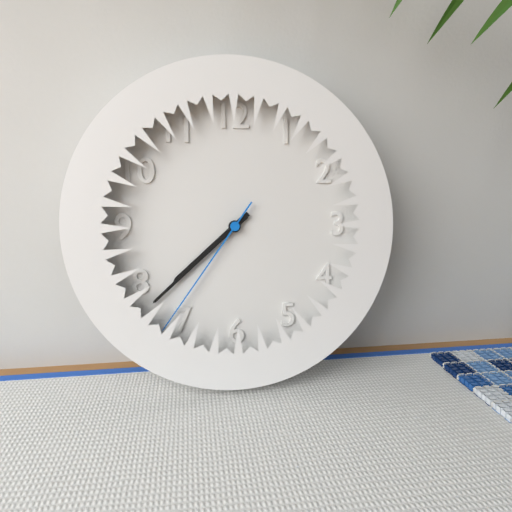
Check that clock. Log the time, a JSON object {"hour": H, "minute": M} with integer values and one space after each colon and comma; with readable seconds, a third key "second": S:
{"hour": 7, "minute": 38, "second": 36}
